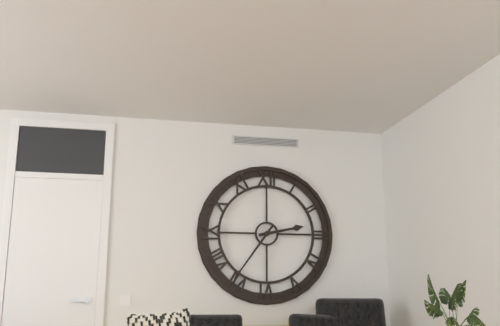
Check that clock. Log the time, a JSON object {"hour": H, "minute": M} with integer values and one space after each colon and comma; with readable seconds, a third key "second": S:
{"hour": 2, "minute": 36}
